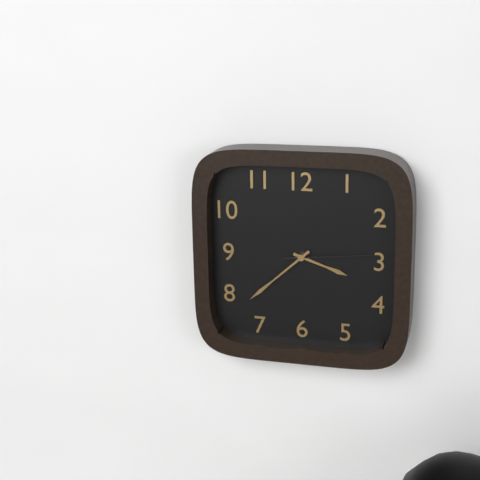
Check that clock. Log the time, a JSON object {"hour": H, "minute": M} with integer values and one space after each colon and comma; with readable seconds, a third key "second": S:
{"hour": 3, "minute": 38, "second": 14}
